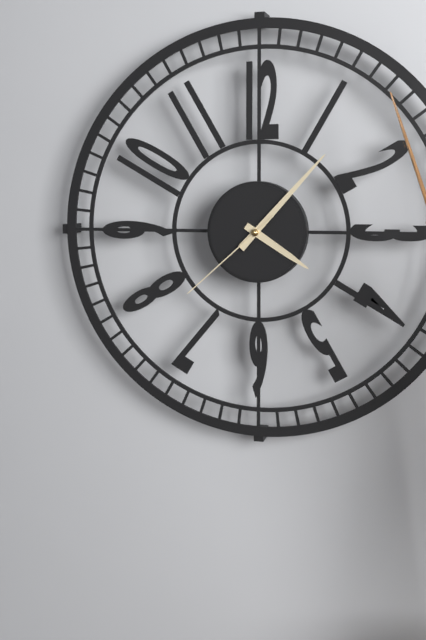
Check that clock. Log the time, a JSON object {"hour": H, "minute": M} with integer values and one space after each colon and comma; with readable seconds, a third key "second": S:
{"hour": 4, "minute": 7, "second": 38}
